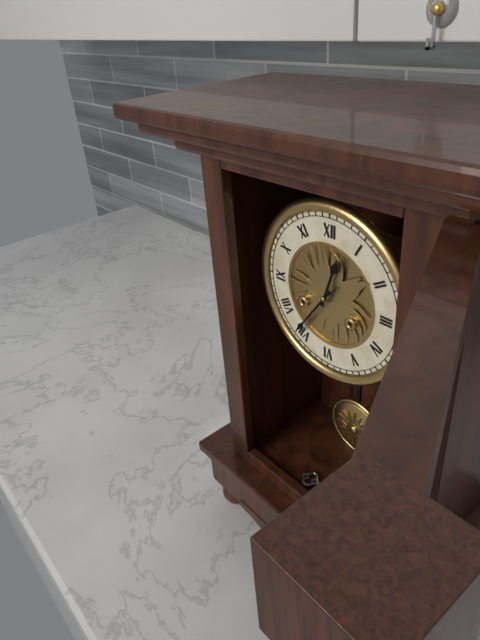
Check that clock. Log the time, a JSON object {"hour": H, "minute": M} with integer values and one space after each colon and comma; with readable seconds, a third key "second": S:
{"hour": 12, "minute": 36}
